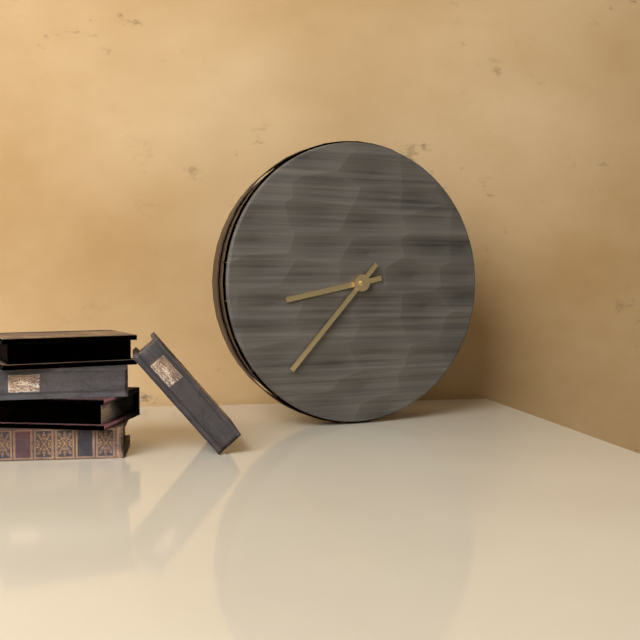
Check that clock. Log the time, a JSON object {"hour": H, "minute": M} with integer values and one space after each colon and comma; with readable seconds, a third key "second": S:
{"hour": 8, "minute": 37}
